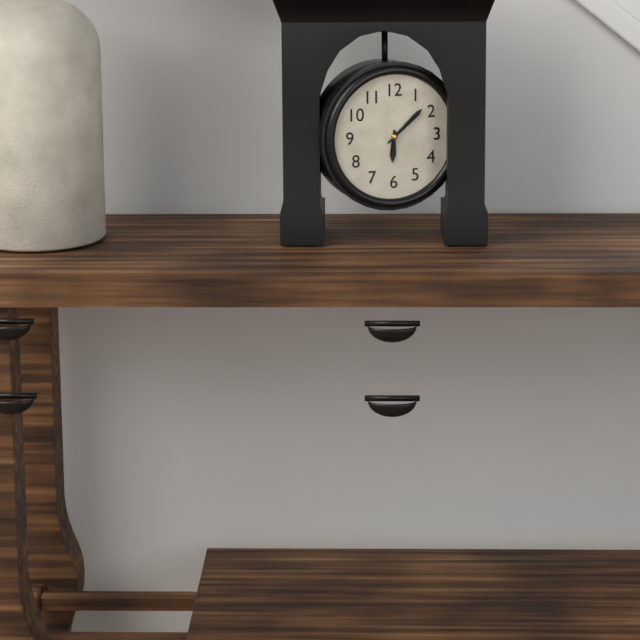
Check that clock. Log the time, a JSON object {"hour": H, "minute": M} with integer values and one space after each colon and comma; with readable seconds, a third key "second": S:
{"hour": 6, "minute": 8}
